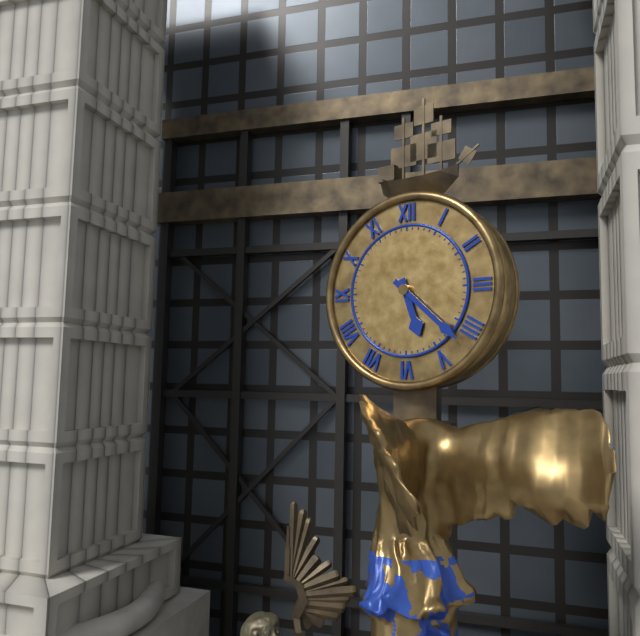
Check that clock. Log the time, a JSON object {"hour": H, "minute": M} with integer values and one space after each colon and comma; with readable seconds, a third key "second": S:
{"hour": 5, "minute": 22}
